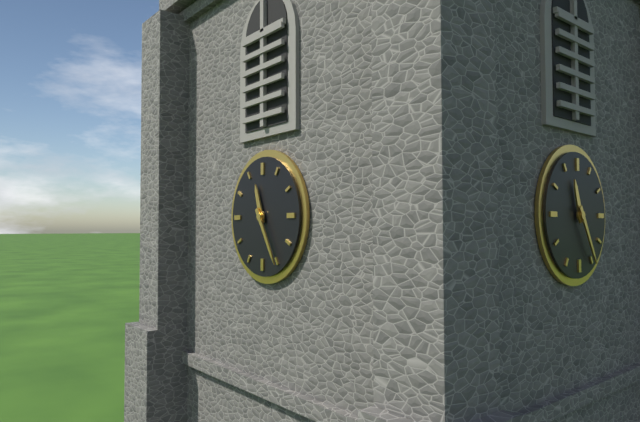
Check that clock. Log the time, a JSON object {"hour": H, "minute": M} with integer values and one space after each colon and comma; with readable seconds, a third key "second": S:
{"hour": 11, "minute": 25}
